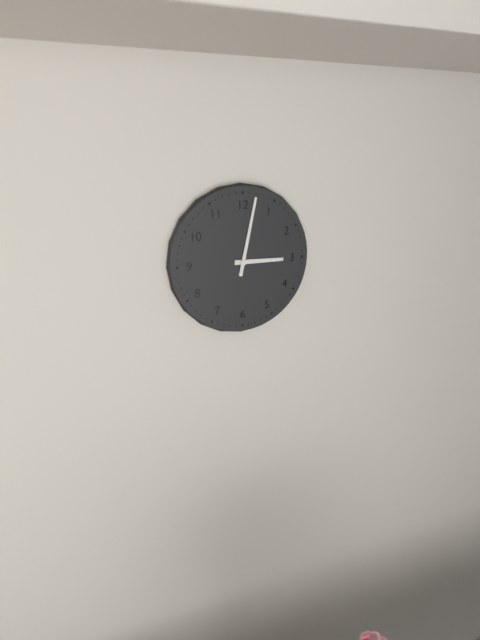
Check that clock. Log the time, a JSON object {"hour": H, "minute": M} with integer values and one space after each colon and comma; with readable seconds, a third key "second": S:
{"hour": 3, "minute": 2}
